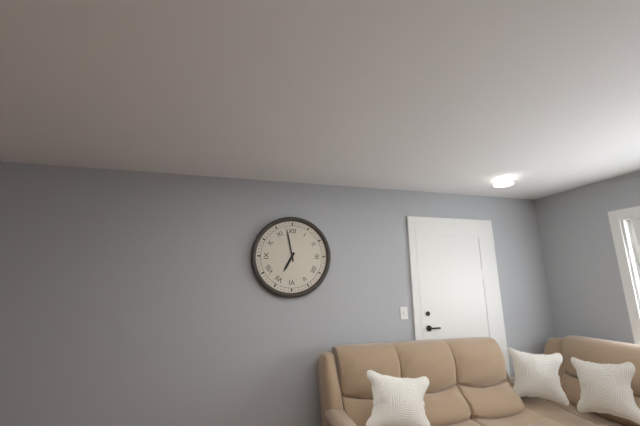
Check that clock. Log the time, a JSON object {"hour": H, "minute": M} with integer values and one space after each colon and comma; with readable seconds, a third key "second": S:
{"hour": 6, "minute": 58}
